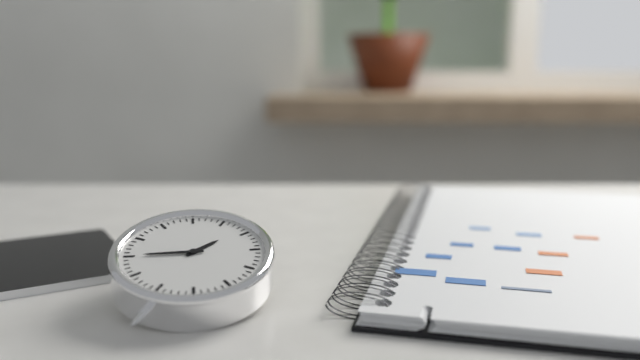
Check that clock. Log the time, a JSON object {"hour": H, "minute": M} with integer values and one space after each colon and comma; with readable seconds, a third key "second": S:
{"hour": 1, "minute": 45}
